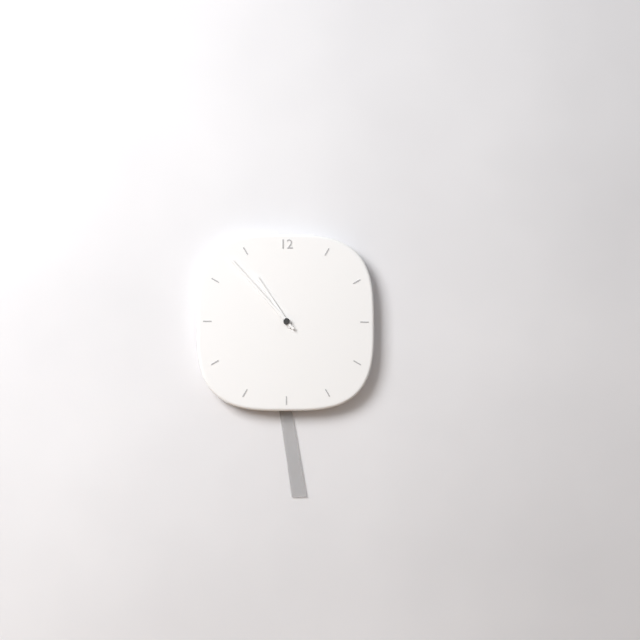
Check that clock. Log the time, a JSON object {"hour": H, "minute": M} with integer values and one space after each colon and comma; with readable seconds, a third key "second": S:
{"hour": 10, "minute": 53}
